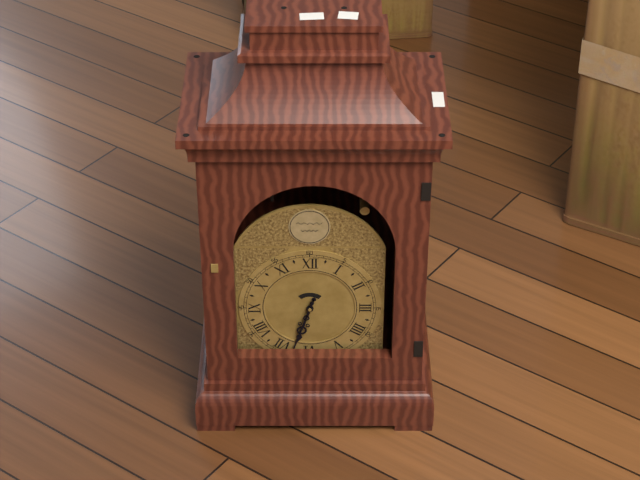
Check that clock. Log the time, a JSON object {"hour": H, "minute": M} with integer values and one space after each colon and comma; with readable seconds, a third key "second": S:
{"hour": 6, "minute": 33}
